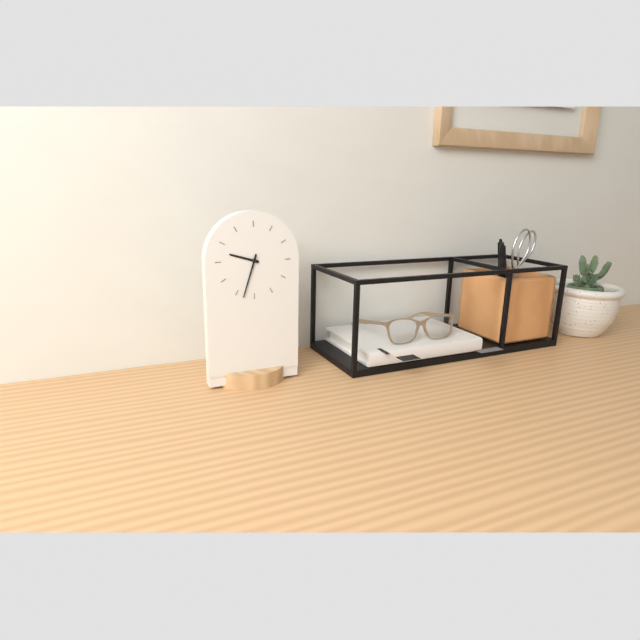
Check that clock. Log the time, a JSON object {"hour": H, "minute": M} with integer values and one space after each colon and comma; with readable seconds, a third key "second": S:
{"hour": 9, "minute": 33}
